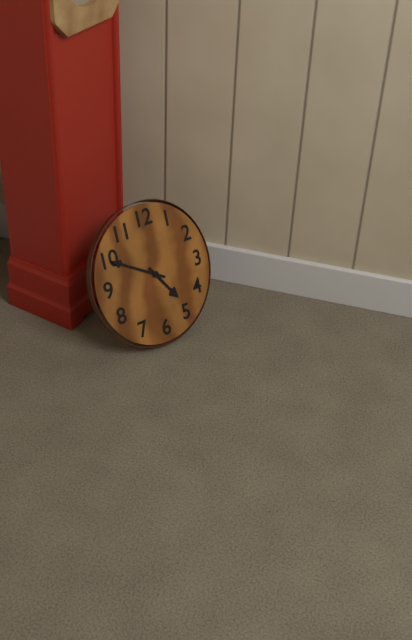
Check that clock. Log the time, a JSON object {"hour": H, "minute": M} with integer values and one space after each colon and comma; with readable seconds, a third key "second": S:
{"hour": 4, "minute": 50}
